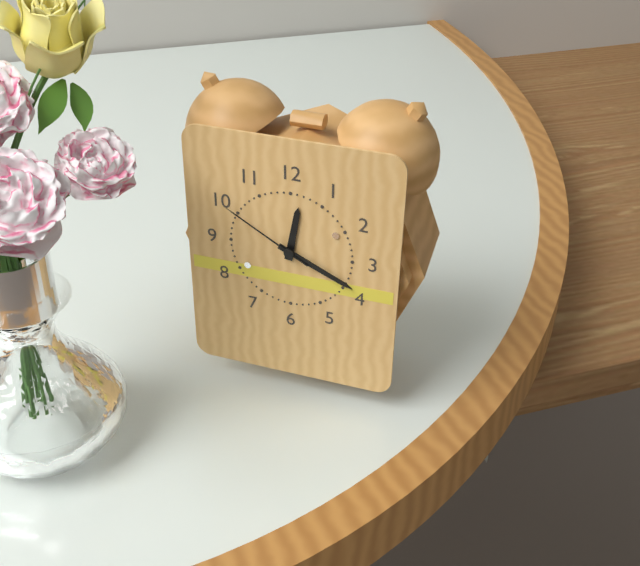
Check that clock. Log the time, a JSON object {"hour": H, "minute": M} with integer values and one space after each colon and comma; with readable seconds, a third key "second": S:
{"hour": 12, "minute": 19, "second": 50}
